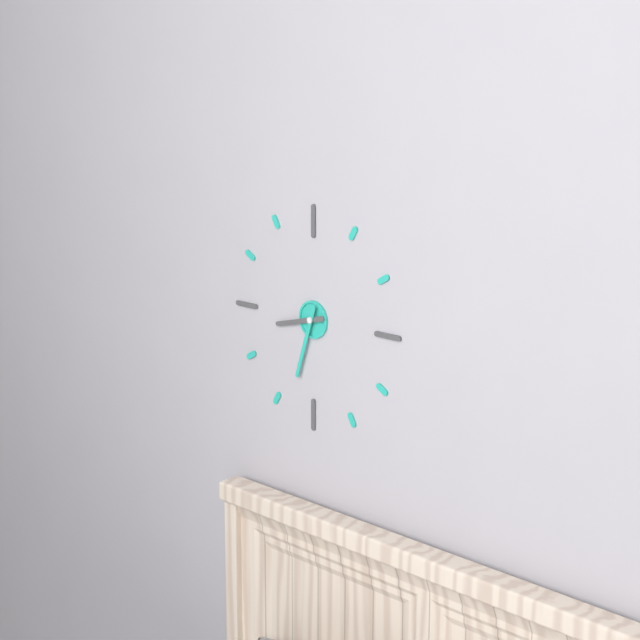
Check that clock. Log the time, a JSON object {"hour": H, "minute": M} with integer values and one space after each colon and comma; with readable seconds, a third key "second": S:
{"hour": 8, "minute": 33}
